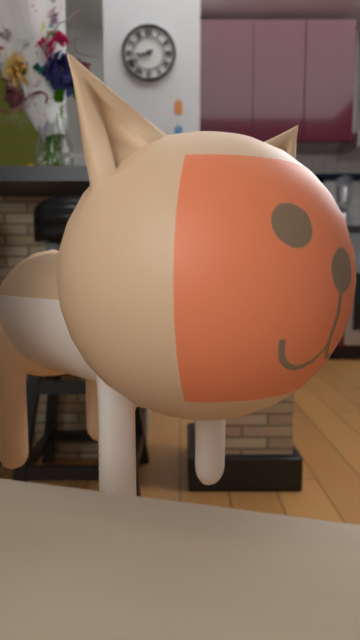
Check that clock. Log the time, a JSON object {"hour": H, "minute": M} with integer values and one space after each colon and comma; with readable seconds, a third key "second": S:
{"hour": 8, "minute": 40}
